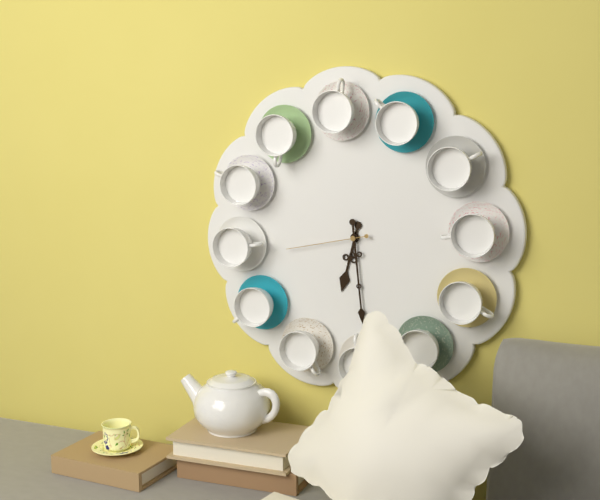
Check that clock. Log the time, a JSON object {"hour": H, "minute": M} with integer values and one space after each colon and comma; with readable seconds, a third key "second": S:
{"hour": 6, "minute": 29, "second": 43}
